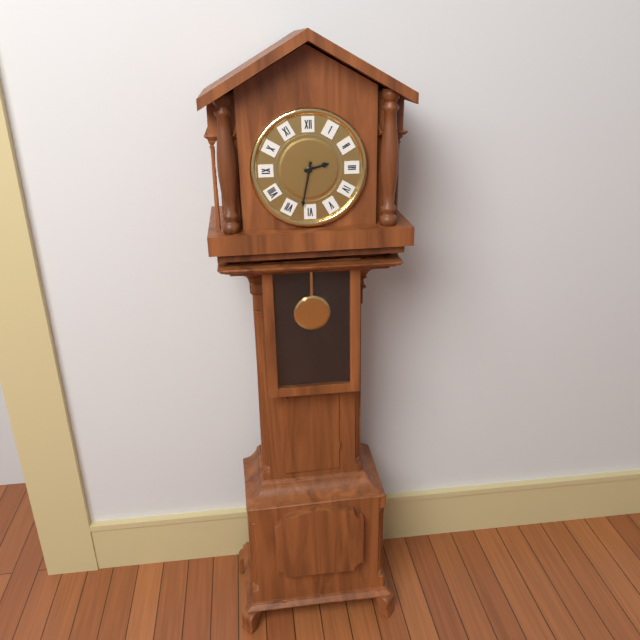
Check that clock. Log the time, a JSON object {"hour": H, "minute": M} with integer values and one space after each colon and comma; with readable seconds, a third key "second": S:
{"hour": 2, "minute": 32}
